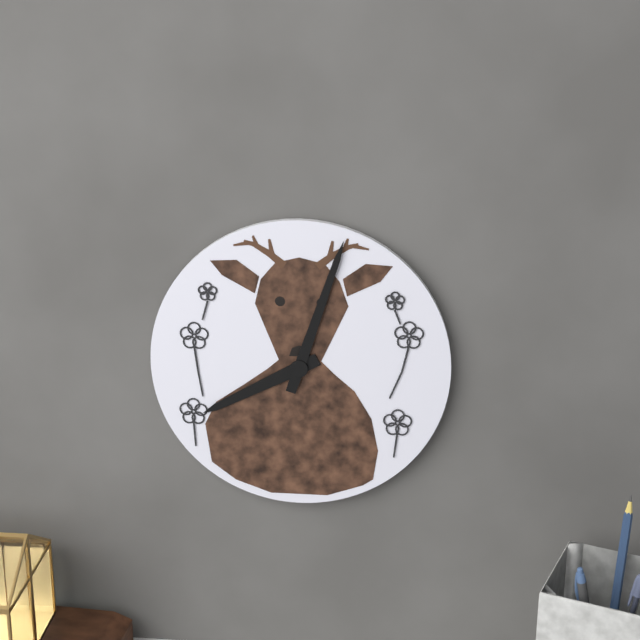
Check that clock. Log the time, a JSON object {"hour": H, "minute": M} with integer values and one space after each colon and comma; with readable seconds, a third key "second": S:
{"hour": 8, "minute": 3}
